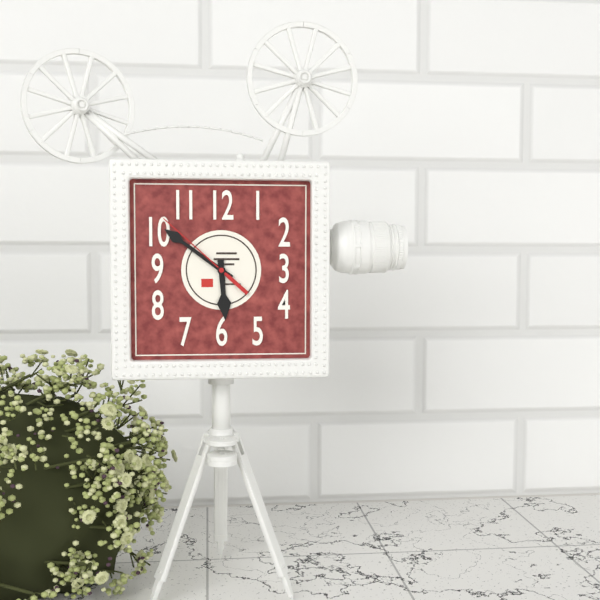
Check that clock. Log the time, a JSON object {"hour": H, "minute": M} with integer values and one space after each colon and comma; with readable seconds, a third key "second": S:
{"hour": 5, "minute": 51, "second": 52}
